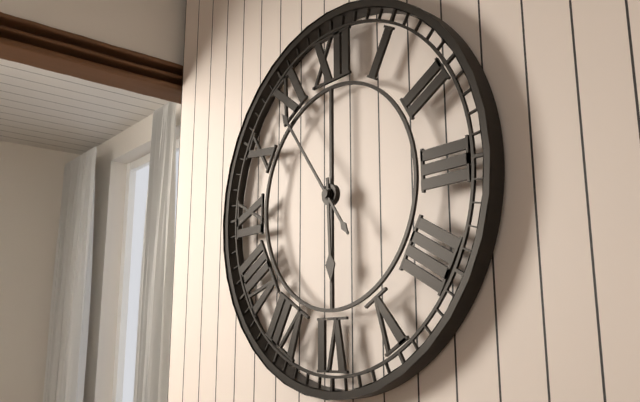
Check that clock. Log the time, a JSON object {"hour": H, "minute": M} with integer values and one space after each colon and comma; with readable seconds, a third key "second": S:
{"hour": 5, "minute": 54}
